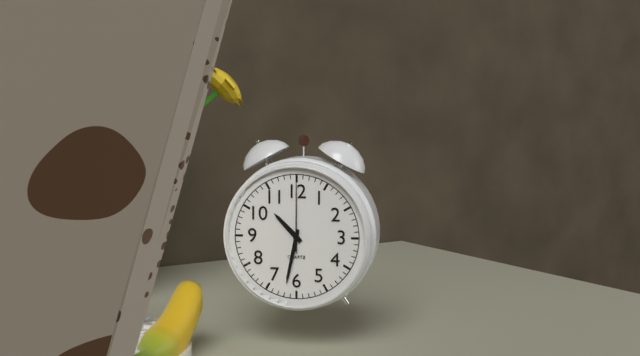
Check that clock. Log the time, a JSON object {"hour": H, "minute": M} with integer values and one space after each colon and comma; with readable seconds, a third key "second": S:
{"hour": 10, "minute": 32, "second": 0}
